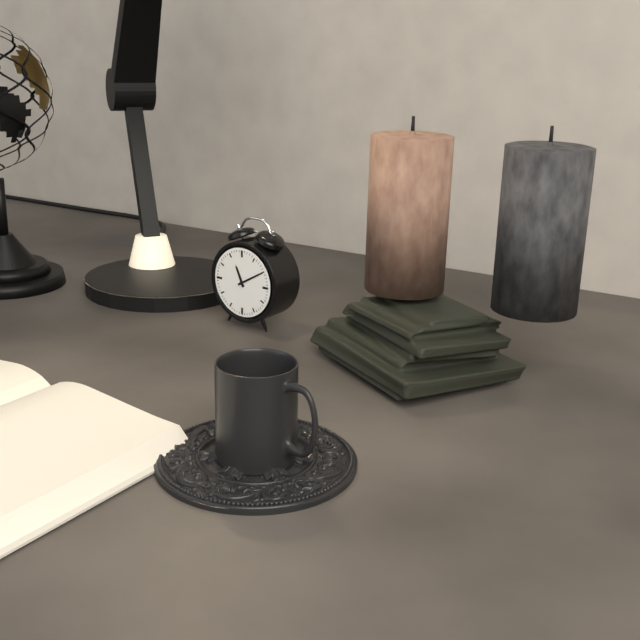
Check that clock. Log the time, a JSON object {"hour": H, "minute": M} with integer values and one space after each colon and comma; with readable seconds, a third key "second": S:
{"hour": 11, "minute": 10}
